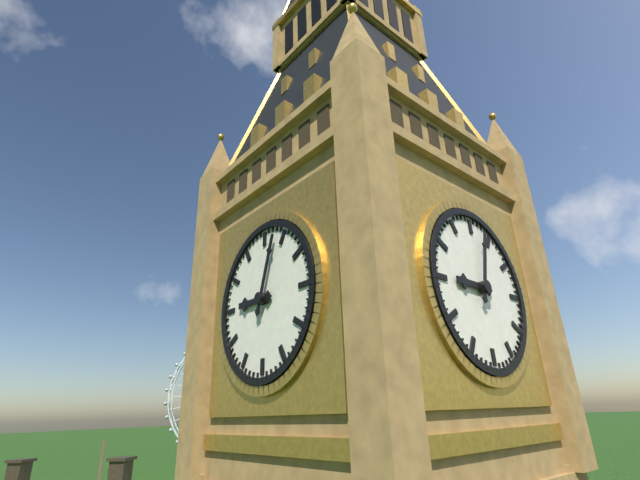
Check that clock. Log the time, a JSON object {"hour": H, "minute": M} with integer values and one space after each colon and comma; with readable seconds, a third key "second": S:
{"hour": 9, "minute": 3}
